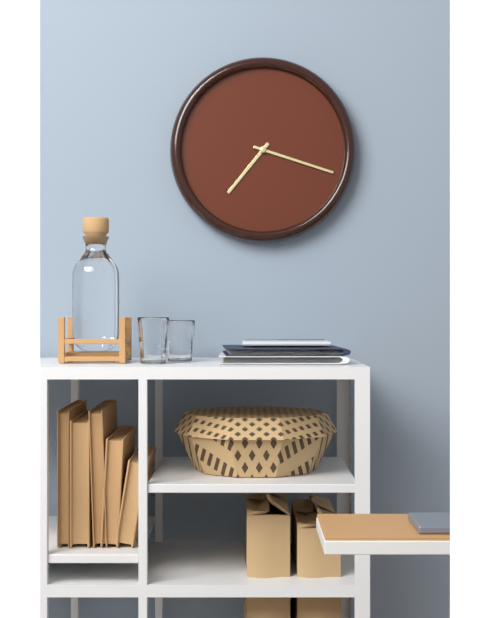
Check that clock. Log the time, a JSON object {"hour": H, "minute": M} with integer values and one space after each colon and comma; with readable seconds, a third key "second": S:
{"hour": 7, "minute": 18}
